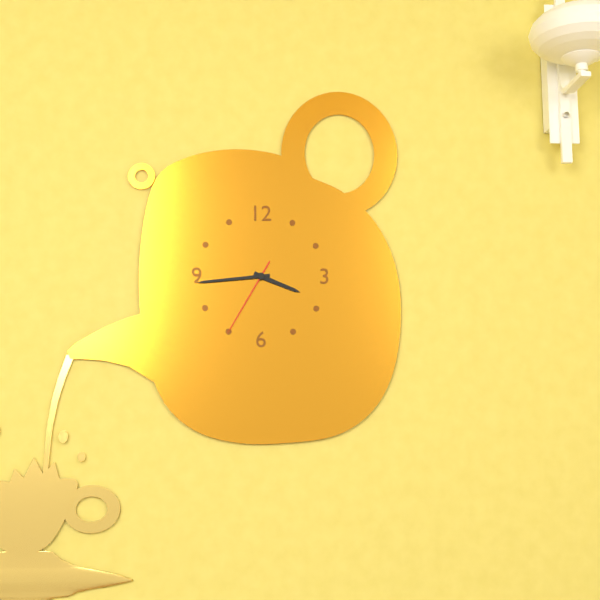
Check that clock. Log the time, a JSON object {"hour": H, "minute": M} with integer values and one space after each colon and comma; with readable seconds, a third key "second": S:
{"hour": 3, "minute": 44, "second": 35}
